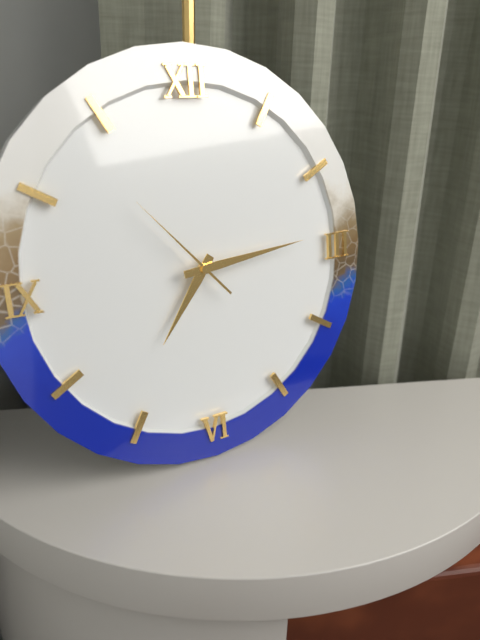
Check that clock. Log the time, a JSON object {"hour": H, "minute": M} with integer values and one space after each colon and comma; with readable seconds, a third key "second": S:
{"hour": 7, "minute": 14, "second": 53}
